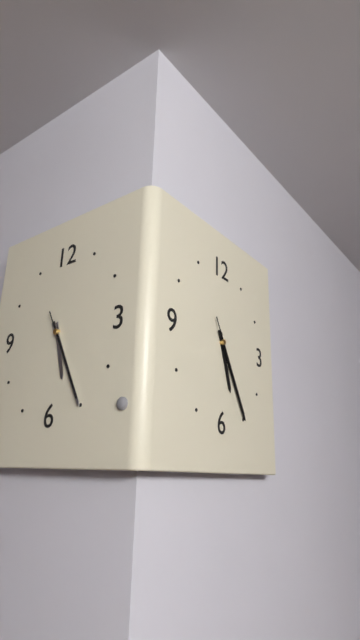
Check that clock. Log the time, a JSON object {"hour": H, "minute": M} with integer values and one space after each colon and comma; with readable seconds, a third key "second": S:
{"hour": 5, "minute": 25, "second": 25}
